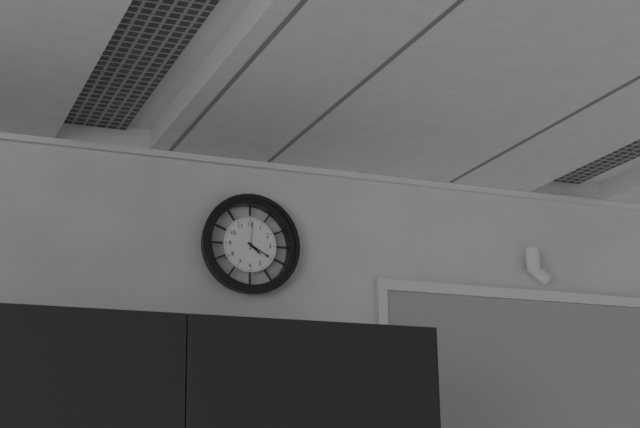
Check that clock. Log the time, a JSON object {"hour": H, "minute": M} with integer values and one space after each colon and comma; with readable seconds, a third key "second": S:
{"hour": 4, "minute": 20}
